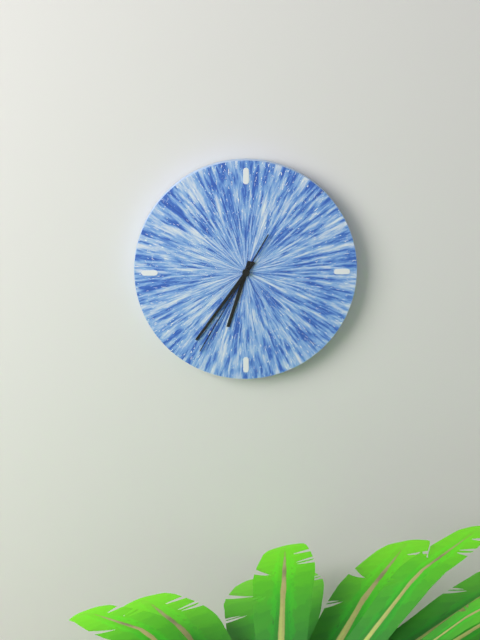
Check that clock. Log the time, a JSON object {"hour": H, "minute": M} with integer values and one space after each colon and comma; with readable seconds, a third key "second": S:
{"hour": 6, "minute": 36, "second": 35}
